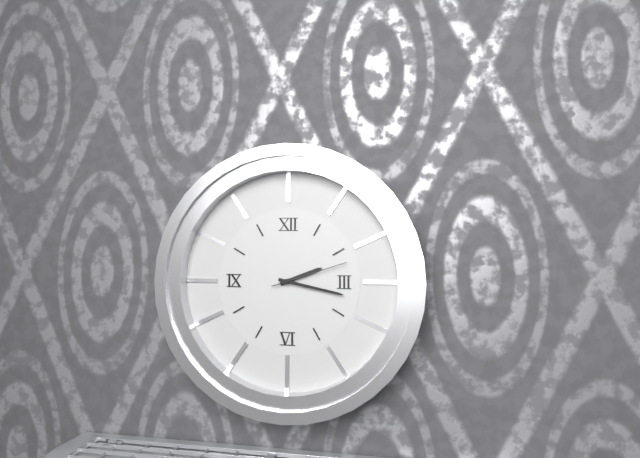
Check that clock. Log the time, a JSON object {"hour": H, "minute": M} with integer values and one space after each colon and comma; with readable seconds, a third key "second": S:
{"hour": 2, "minute": 17, "second": 12}
